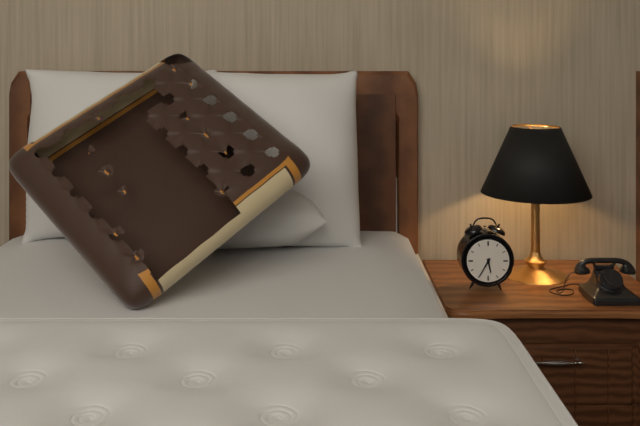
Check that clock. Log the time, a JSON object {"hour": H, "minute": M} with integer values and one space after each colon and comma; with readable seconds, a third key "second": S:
{"hour": 5, "minute": 35}
